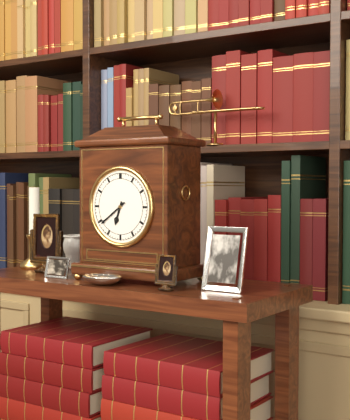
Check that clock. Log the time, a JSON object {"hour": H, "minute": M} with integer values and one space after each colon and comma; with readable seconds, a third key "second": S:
{"hour": 6, "minute": 39}
